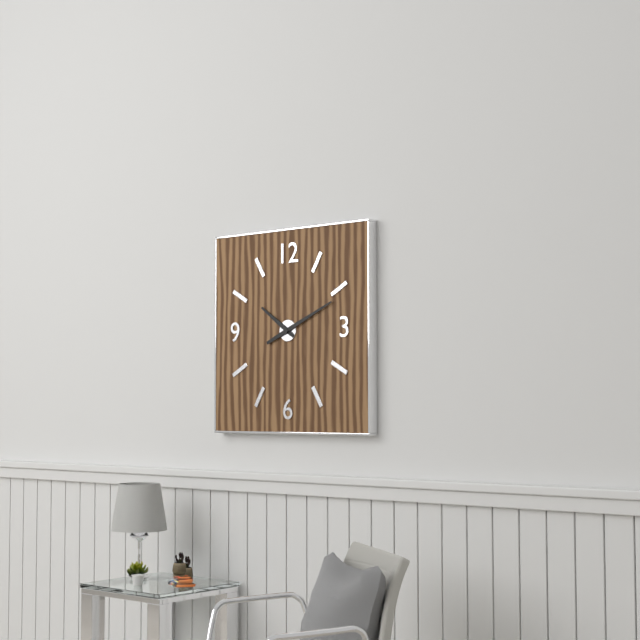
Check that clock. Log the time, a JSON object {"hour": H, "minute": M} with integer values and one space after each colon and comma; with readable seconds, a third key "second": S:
{"hour": 10, "minute": 11}
